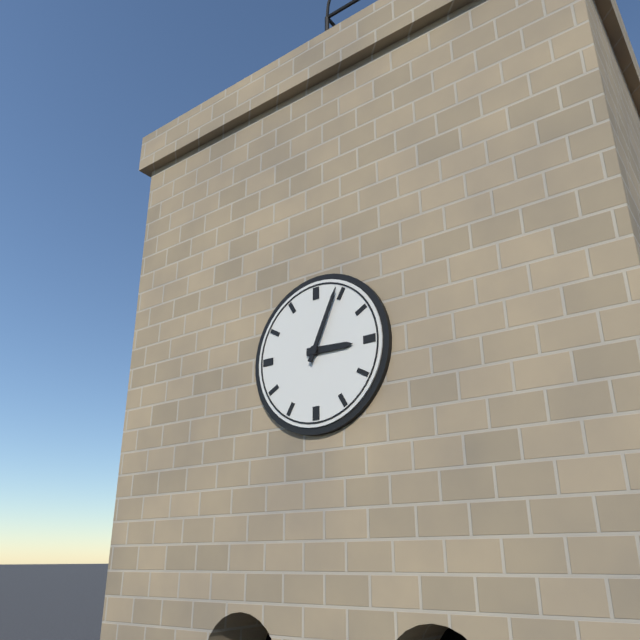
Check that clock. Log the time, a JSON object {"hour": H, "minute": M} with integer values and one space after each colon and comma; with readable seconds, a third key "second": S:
{"hour": 3, "minute": 4}
